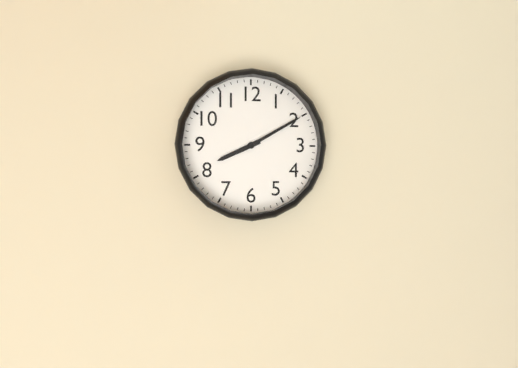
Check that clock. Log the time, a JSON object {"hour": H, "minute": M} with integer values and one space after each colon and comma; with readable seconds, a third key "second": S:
{"hour": 8, "minute": 10}
